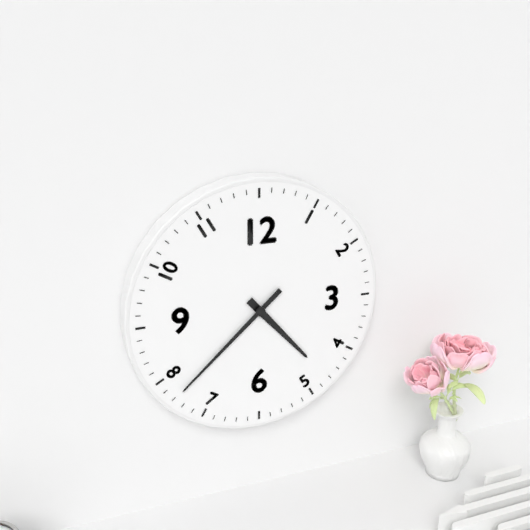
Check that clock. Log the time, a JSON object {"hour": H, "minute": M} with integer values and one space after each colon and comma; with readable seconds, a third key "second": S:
{"hour": 4, "minute": 38}
